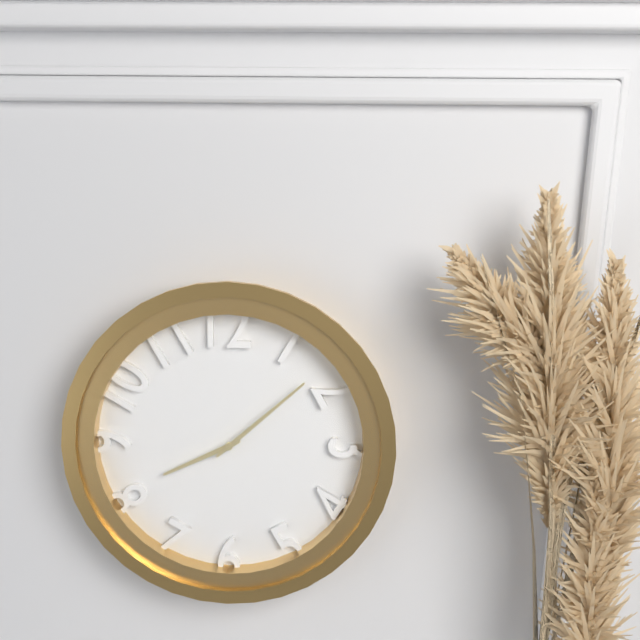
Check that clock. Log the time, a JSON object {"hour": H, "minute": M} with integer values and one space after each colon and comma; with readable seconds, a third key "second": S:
{"hour": 8, "minute": 8}
